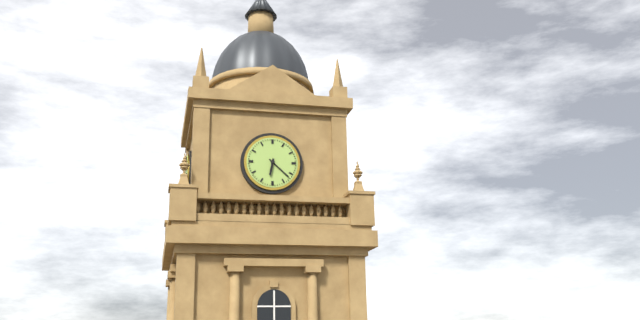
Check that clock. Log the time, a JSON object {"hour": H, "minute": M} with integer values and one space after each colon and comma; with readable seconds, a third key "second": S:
{"hour": 6, "minute": 22}
